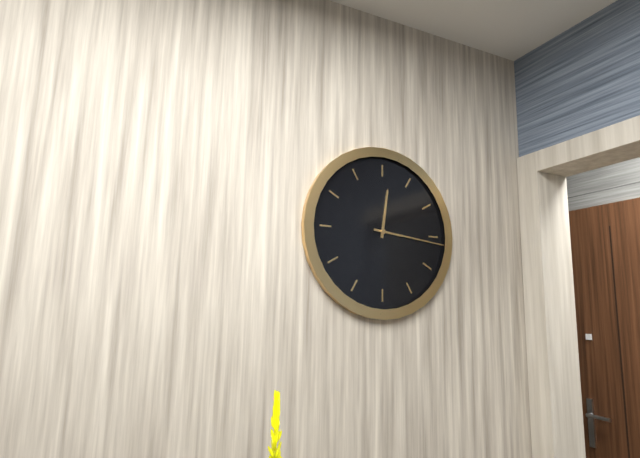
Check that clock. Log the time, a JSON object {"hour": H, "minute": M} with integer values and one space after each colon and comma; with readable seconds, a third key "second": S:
{"hour": 12, "minute": 16}
